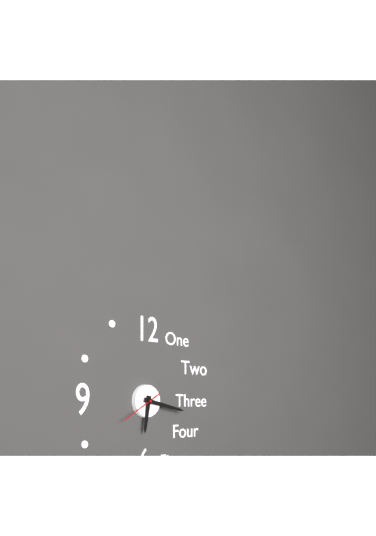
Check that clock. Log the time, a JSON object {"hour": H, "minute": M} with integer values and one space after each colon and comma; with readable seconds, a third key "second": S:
{"hour": 6, "minute": 17}
